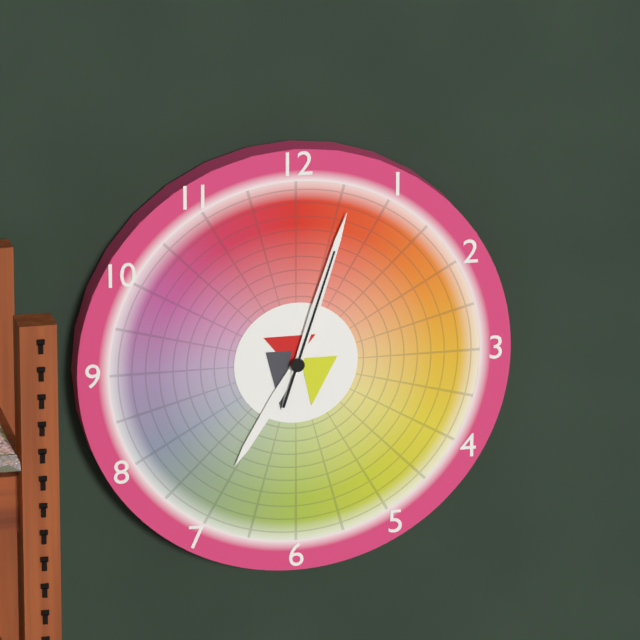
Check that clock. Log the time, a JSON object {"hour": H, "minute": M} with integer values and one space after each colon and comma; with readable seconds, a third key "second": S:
{"hour": 7, "minute": 3, "second": 3}
